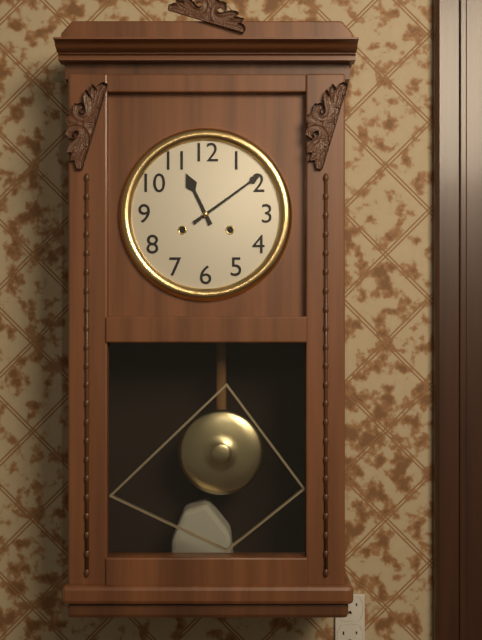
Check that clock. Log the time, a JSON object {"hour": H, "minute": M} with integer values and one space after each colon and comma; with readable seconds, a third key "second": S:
{"hour": 11, "minute": 9}
